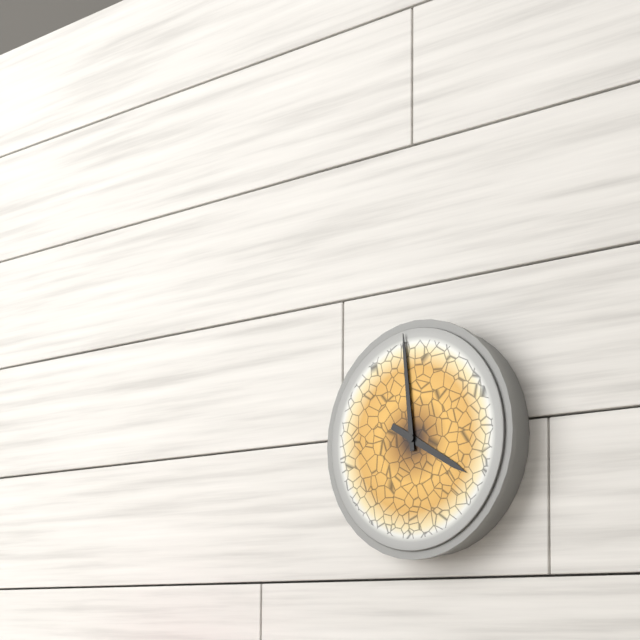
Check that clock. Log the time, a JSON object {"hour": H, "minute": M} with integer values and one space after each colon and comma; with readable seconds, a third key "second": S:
{"hour": 3, "minute": 59}
